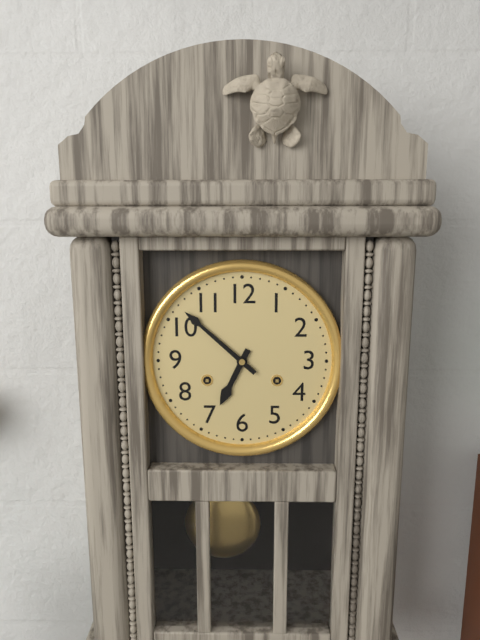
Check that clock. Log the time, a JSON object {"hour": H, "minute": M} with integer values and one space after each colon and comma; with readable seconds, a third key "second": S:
{"hour": 6, "minute": 52}
